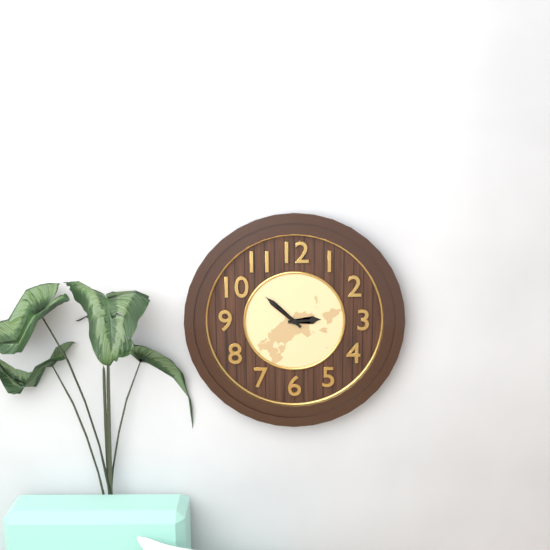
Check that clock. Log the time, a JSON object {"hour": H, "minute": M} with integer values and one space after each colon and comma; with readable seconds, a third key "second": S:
{"hour": 2, "minute": 52}
